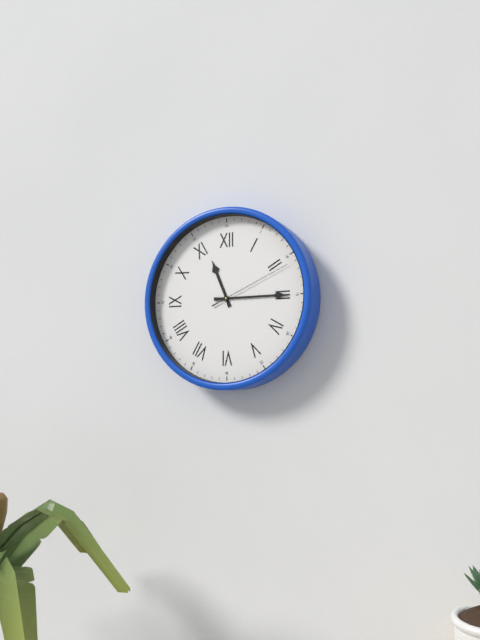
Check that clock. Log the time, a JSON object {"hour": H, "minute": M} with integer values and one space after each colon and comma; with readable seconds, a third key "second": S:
{"hour": 11, "minute": 15, "second": 11}
